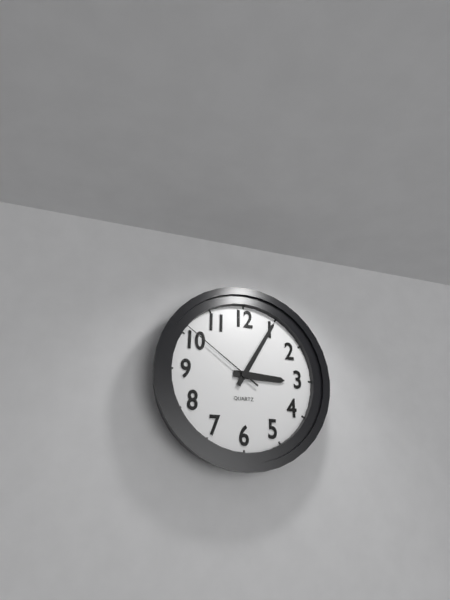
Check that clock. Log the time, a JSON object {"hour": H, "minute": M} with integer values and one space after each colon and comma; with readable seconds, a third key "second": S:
{"hour": 3, "minute": 5, "second": 51}
